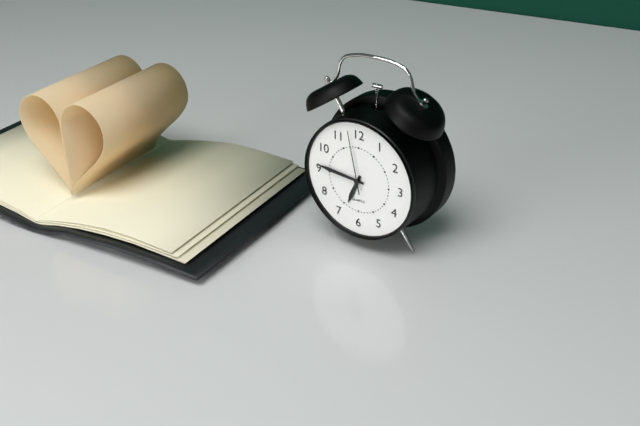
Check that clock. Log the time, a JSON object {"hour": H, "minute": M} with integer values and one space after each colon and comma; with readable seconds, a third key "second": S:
{"hour": 6, "minute": 46, "second": 58}
